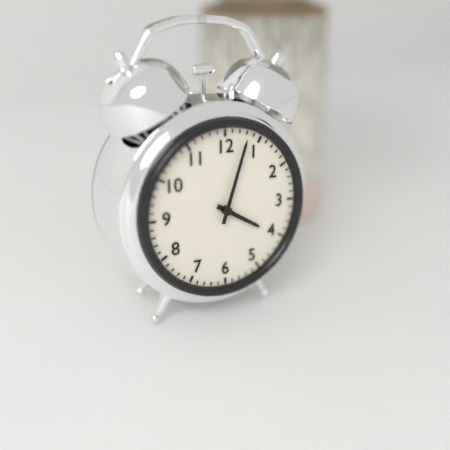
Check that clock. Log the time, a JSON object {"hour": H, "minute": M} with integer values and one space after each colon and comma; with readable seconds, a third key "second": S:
{"hour": 4, "minute": 3}
